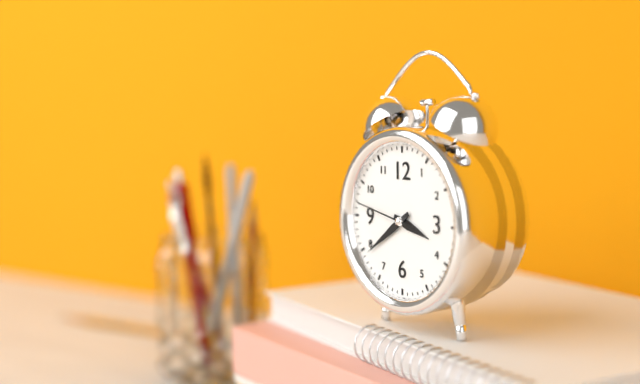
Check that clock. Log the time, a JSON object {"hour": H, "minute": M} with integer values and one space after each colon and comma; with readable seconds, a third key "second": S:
{"hour": 3, "minute": 39, "second": 47}
